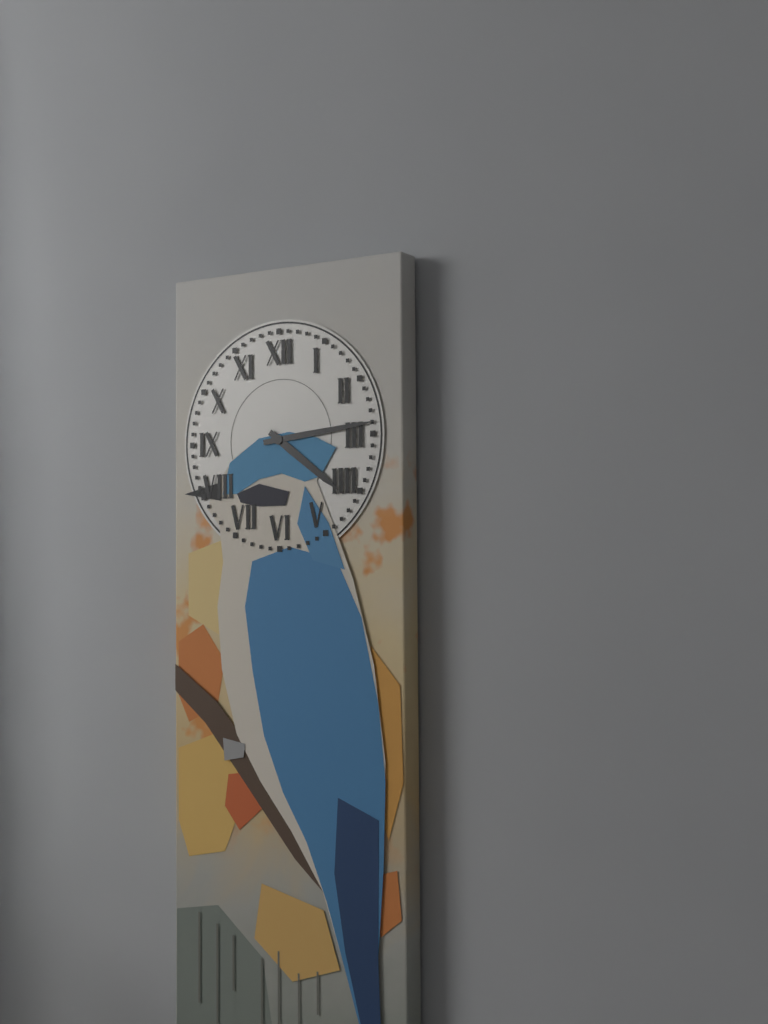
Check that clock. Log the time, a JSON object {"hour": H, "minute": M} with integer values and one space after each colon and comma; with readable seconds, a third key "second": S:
{"hour": 4, "minute": 14}
